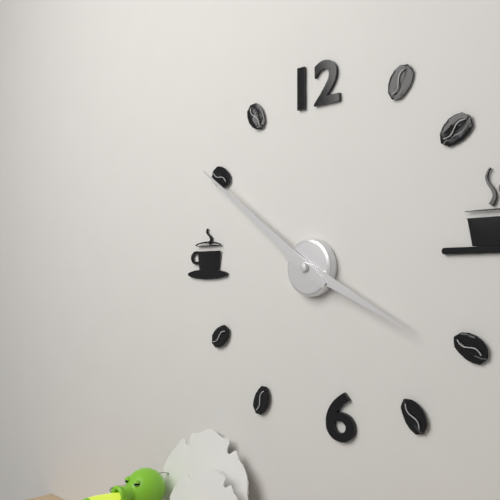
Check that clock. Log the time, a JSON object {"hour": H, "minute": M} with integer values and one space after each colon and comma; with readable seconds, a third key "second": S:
{"hour": 3, "minute": 51}
